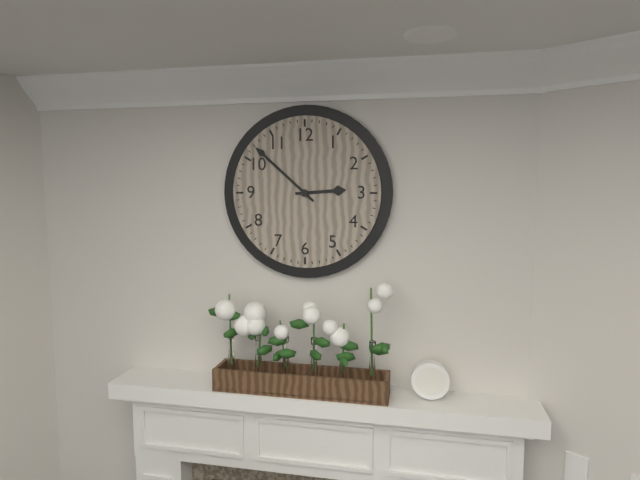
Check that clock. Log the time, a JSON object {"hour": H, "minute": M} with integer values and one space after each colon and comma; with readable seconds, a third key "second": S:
{"hour": 2, "minute": 52}
